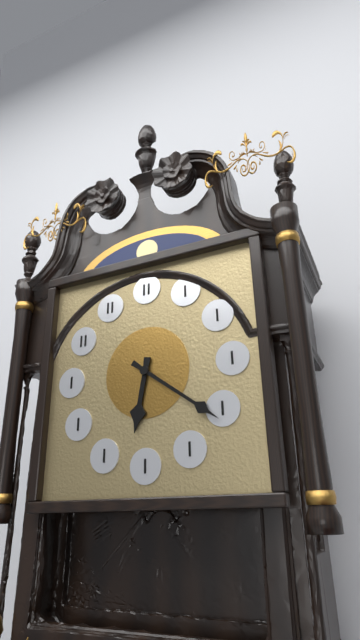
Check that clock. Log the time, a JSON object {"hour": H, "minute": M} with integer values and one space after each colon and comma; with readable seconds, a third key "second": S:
{"hour": 6, "minute": 21}
